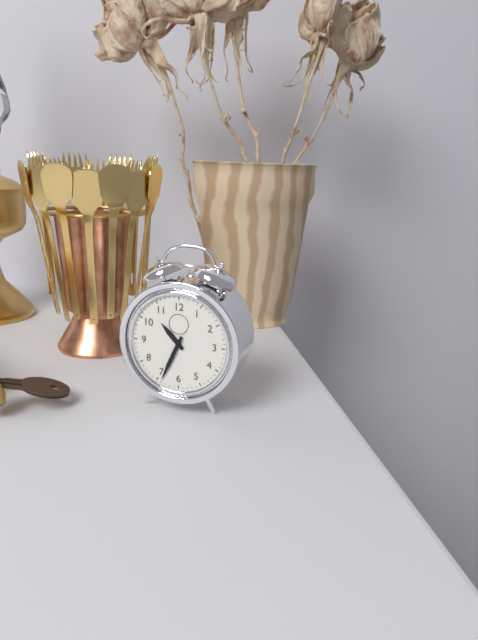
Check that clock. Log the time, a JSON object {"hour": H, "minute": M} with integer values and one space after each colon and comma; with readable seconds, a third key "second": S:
{"hour": 10, "minute": 34}
